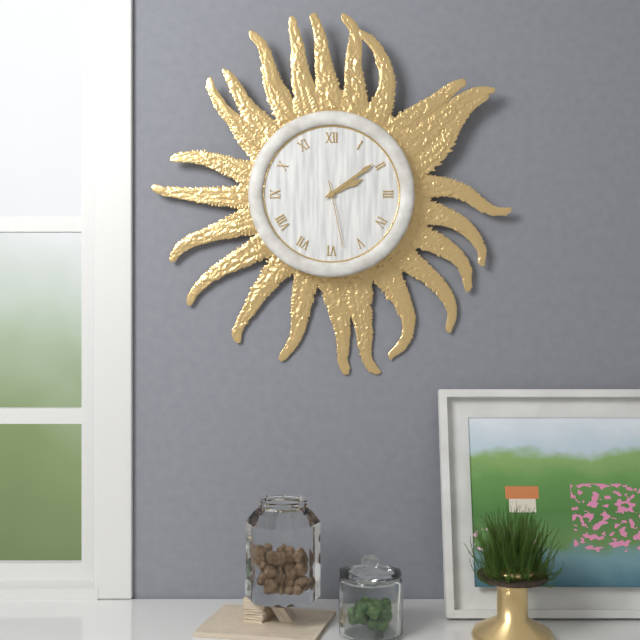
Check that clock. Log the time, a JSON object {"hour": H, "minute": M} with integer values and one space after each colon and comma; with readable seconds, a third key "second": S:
{"hour": 2, "minute": 9, "second": 28}
